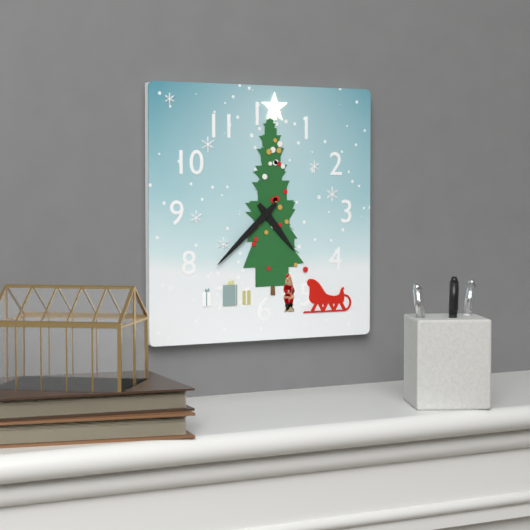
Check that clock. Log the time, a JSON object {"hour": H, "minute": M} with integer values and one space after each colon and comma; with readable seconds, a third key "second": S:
{"hour": 4, "minute": 38}
